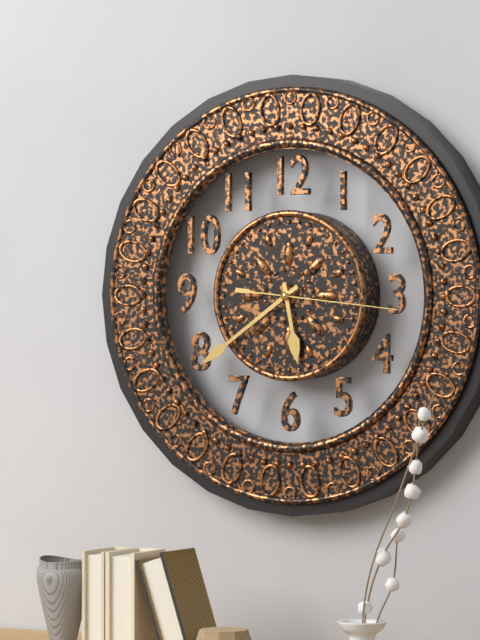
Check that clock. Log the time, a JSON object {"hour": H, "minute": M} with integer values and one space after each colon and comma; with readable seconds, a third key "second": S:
{"hour": 5, "minute": 39, "second": 16}
